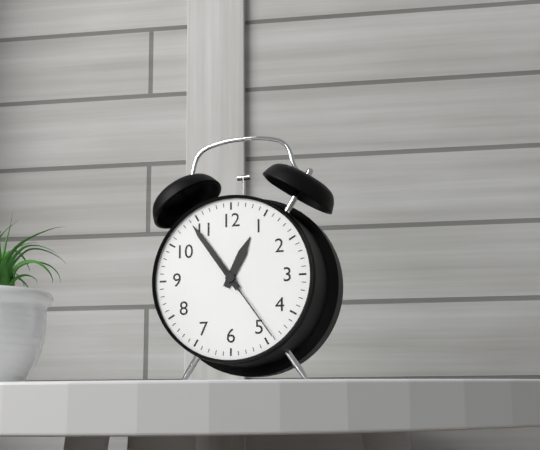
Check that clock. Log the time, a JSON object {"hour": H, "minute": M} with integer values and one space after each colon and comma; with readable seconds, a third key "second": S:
{"hour": 12, "minute": 54, "second": 24}
